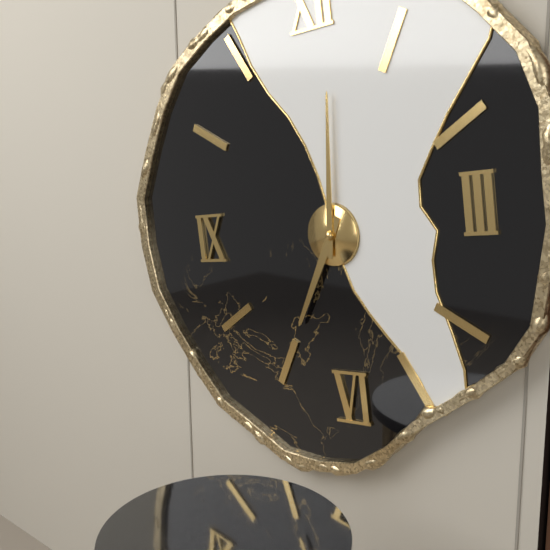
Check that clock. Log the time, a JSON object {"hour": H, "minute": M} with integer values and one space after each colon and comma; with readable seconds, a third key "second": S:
{"hour": 7, "minute": 1}
